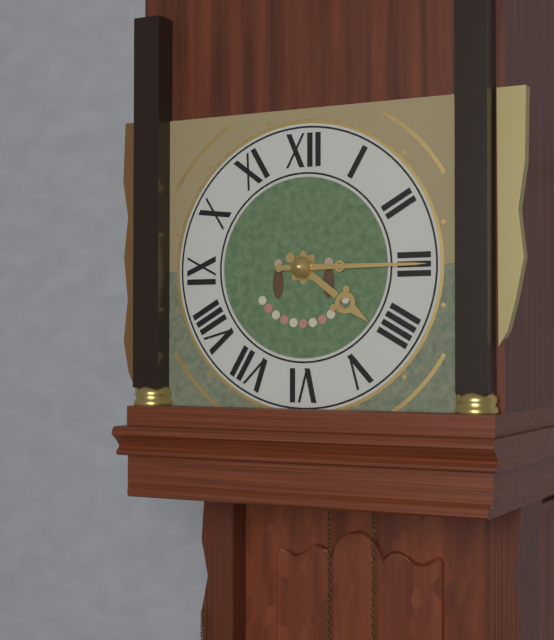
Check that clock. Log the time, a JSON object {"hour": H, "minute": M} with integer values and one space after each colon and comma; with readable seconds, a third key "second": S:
{"hour": 4, "minute": 15}
